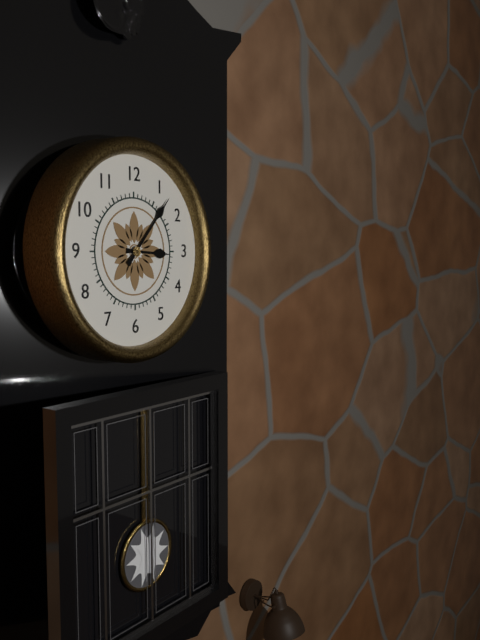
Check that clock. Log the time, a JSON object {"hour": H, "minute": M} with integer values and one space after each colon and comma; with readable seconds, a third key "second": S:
{"hour": 3, "minute": 7}
